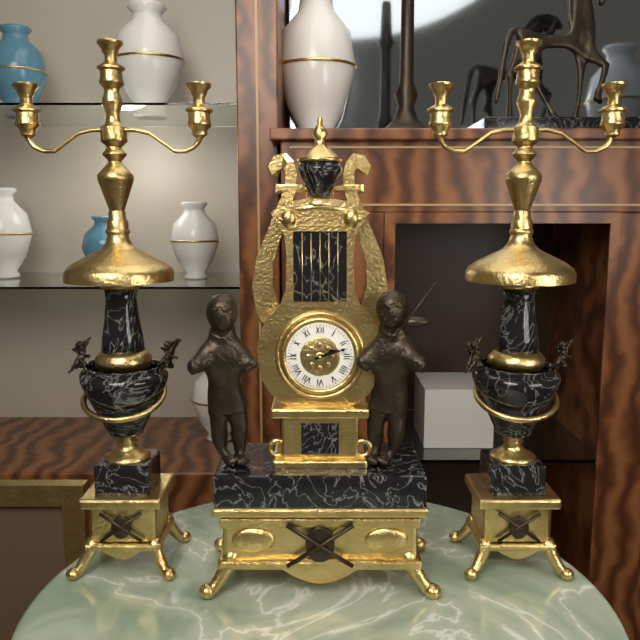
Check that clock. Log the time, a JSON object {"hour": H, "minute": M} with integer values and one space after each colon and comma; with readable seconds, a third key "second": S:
{"hour": 2, "minute": 12}
